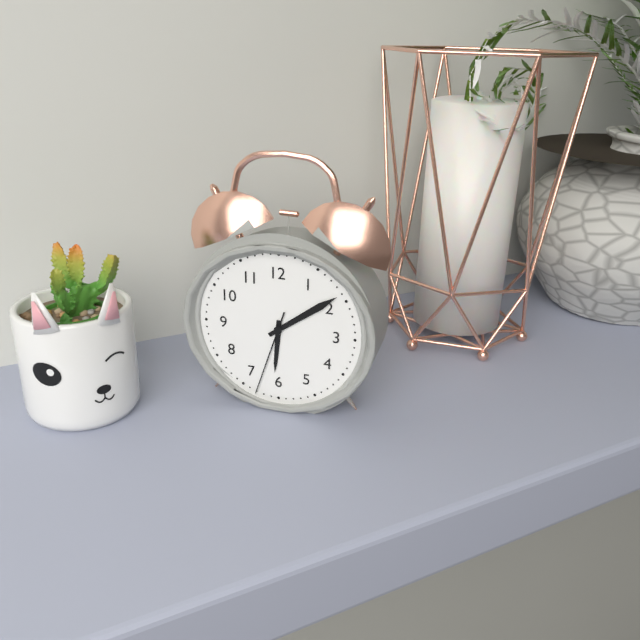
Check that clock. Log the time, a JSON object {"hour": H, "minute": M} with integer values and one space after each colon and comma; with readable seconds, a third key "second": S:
{"hour": 6, "minute": 9, "second": 33}
